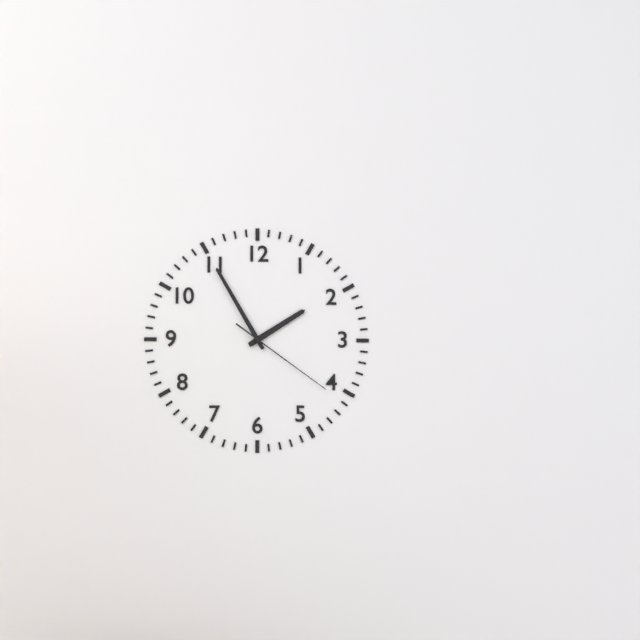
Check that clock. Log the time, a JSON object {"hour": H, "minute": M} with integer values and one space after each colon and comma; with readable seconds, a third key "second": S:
{"hour": 1, "minute": 55, "second": 21}
